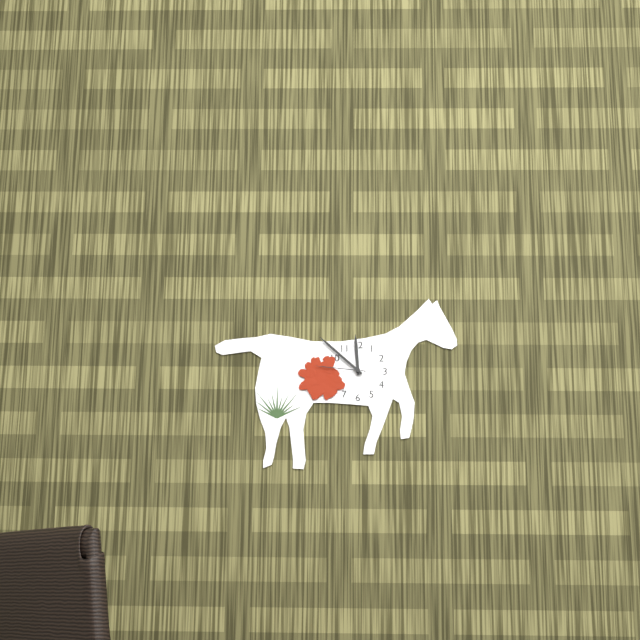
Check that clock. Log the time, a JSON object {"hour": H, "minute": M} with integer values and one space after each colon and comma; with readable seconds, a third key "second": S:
{"hour": 11, "minute": 52, "second": 46}
